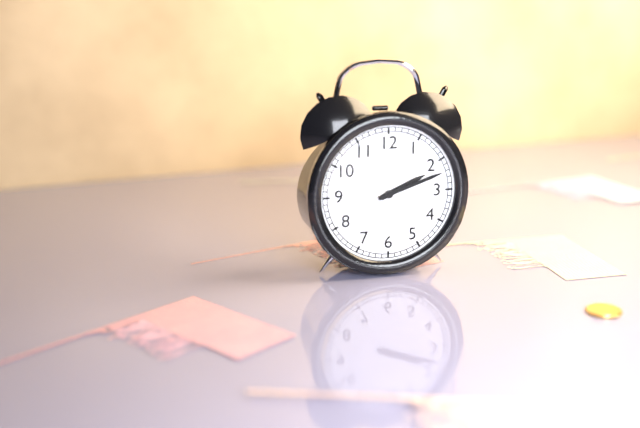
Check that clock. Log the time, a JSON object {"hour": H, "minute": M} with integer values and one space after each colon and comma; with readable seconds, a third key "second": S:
{"hour": 2, "minute": 12}
